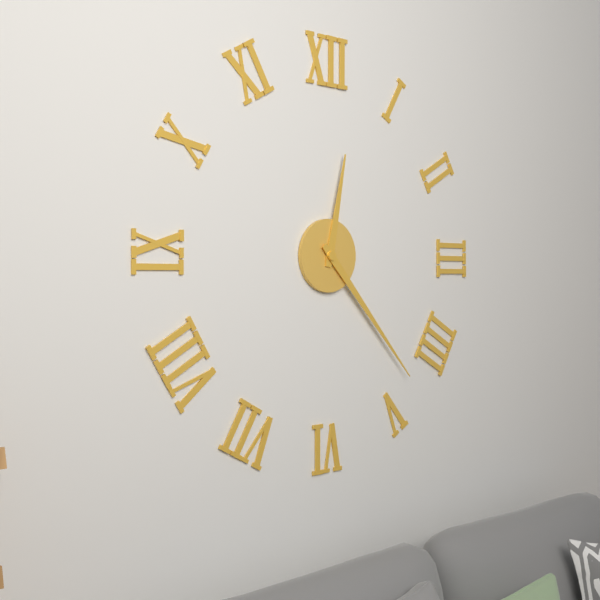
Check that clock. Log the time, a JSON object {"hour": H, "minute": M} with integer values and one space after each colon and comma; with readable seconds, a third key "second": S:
{"hour": 12, "minute": 23}
